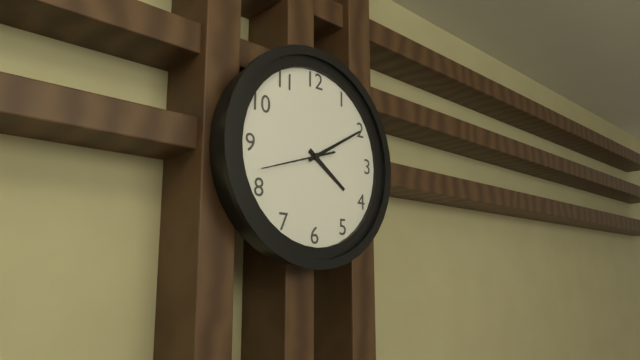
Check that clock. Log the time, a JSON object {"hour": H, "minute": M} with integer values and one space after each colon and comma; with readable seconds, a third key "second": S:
{"hour": 4, "minute": 10, "second": 42}
